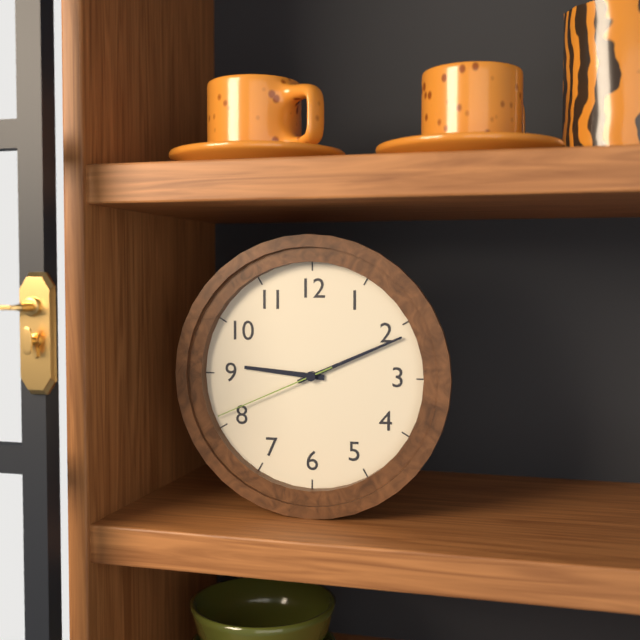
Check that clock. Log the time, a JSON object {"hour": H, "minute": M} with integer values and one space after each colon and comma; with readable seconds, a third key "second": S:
{"hour": 9, "minute": 11, "second": 41}
